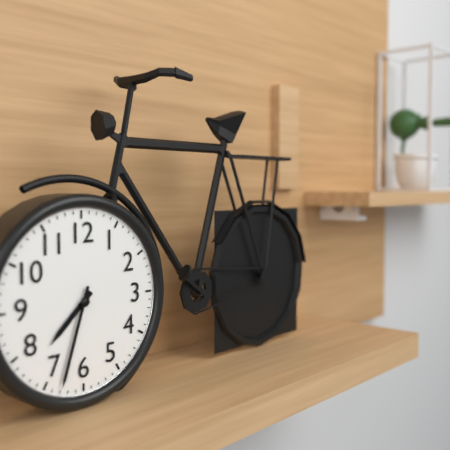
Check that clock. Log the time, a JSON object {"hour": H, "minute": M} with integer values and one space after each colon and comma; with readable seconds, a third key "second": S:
{"hour": 7, "minute": 33}
